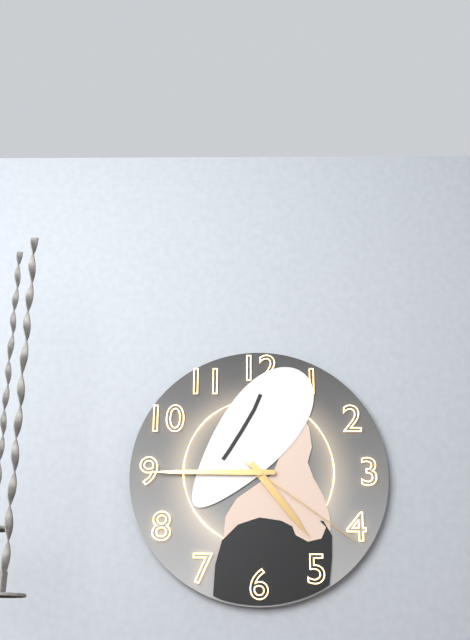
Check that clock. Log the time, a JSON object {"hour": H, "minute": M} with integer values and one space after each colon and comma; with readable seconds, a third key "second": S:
{"hour": 4, "minute": 45, "second": 21}
